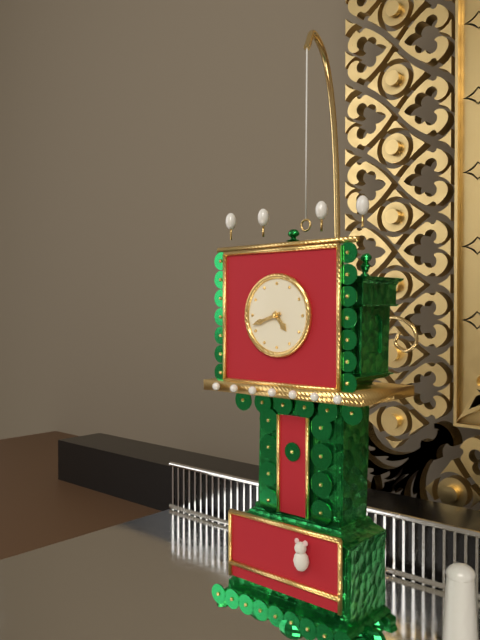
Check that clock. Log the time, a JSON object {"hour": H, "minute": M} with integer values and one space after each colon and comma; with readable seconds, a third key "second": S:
{"hour": 4, "minute": 42}
